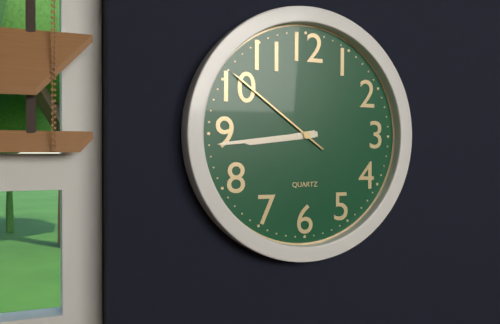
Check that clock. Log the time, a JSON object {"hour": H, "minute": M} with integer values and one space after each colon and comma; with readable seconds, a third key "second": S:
{"hour": 8, "minute": 44, "second": 51}
